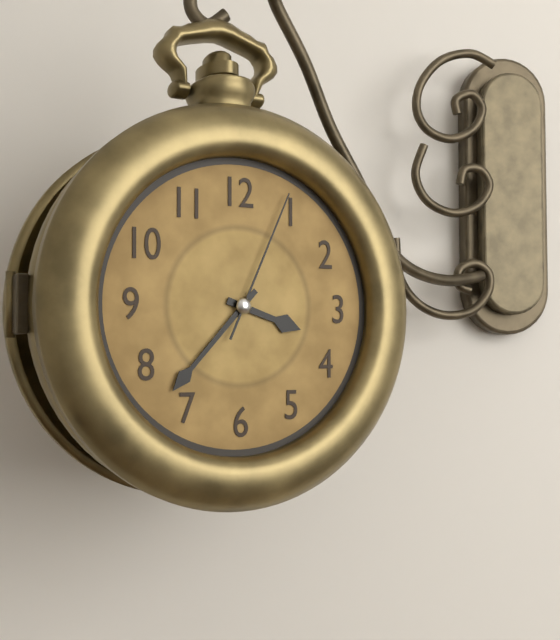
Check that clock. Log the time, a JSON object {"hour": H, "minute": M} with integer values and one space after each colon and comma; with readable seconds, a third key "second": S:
{"hour": 3, "minute": 37, "second": 4}
